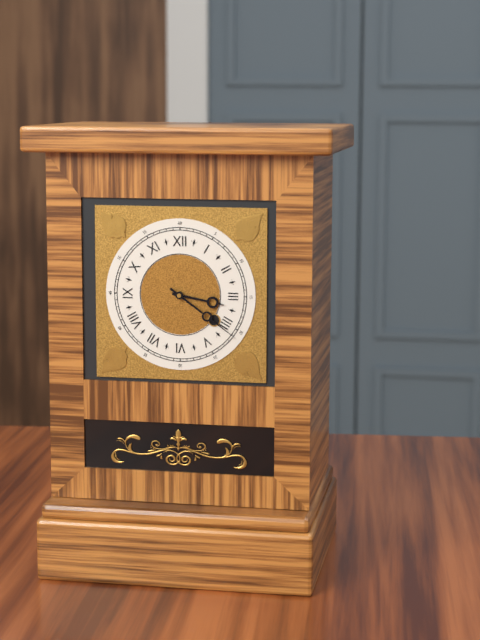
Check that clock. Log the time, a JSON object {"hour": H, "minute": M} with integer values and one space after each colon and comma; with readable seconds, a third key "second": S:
{"hour": 3, "minute": 21}
